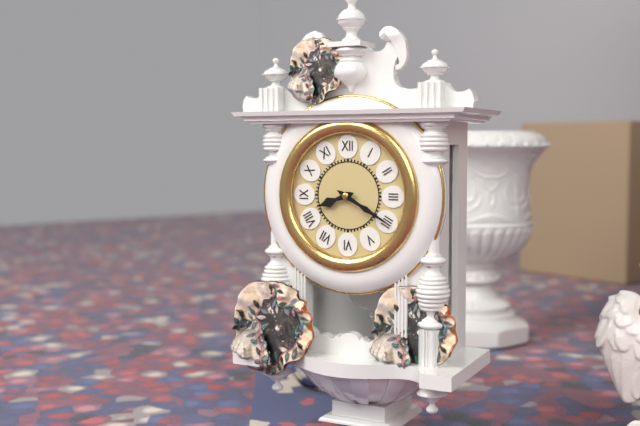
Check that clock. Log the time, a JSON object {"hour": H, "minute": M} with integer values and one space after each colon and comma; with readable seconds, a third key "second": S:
{"hour": 8, "minute": 20}
